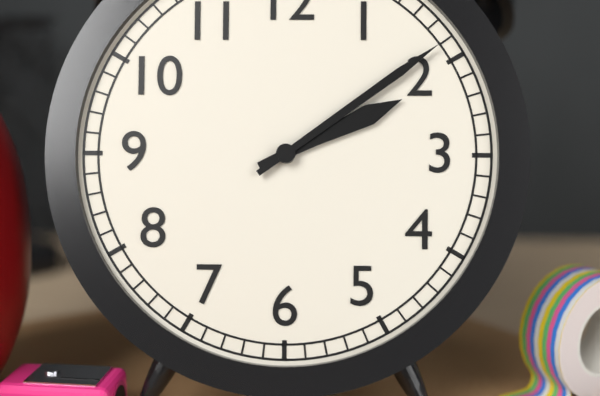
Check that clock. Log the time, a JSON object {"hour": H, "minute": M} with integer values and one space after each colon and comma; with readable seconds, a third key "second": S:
{"hour": 2, "minute": 9}
